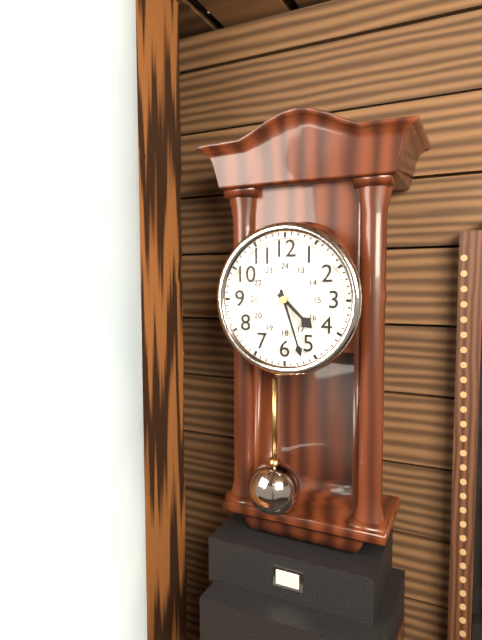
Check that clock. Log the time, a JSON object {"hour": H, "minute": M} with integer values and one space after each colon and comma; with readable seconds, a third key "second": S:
{"hour": 4, "minute": 27}
